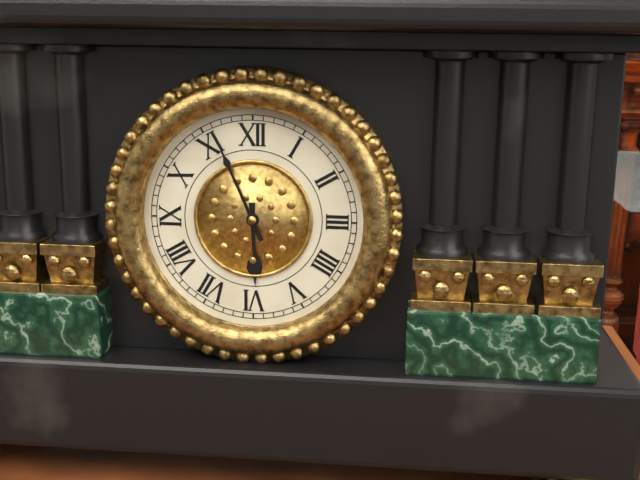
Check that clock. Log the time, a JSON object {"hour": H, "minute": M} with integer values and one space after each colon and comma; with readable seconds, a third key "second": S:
{"hour": 5, "minute": 56}
